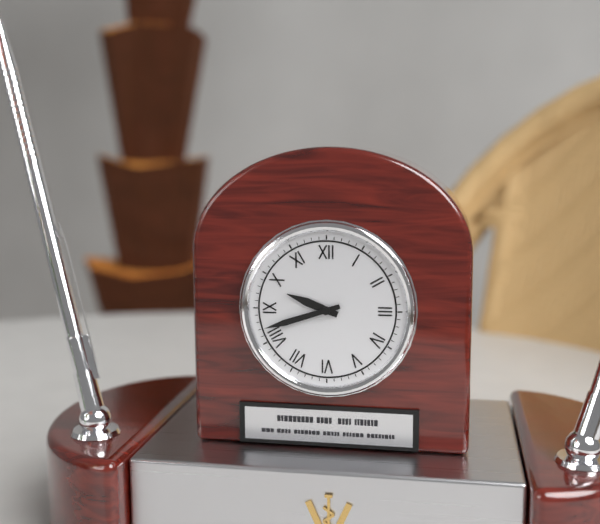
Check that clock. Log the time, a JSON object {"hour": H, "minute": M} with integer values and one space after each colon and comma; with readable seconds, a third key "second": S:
{"hour": 9, "minute": 42}
